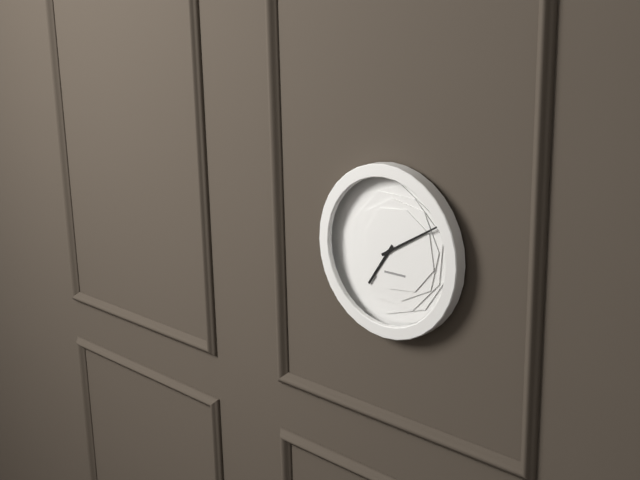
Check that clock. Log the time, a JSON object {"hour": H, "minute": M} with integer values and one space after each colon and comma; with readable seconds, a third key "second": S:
{"hour": 7, "minute": 10}
